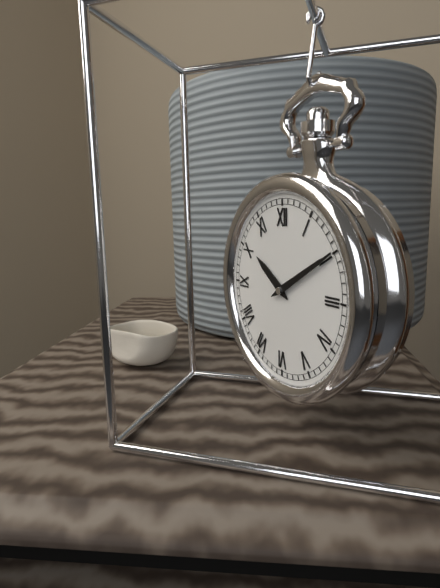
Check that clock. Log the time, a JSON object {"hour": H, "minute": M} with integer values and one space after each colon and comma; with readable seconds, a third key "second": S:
{"hour": 10, "minute": 10}
